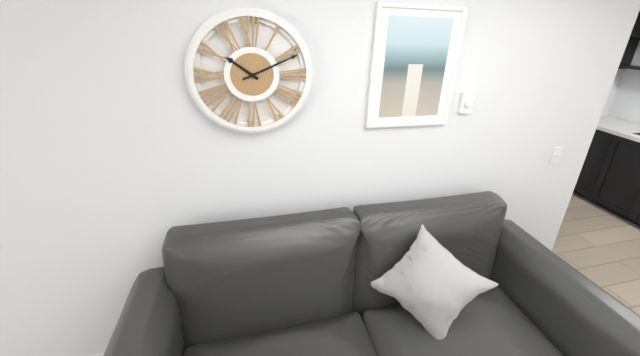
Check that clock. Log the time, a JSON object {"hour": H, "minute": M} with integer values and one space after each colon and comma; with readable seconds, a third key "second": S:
{"hour": 10, "minute": 11}
